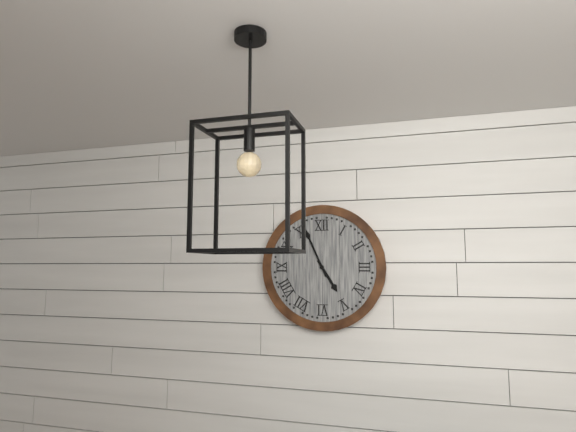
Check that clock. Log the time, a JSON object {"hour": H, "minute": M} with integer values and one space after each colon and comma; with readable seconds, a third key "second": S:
{"hour": 4, "minute": 56}
